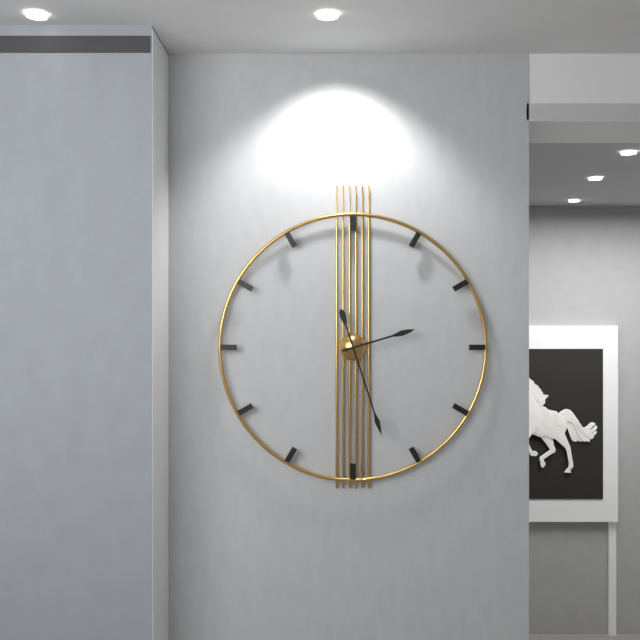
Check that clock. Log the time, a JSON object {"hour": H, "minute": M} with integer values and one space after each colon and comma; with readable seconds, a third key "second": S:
{"hour": 2, "minute": 27}
